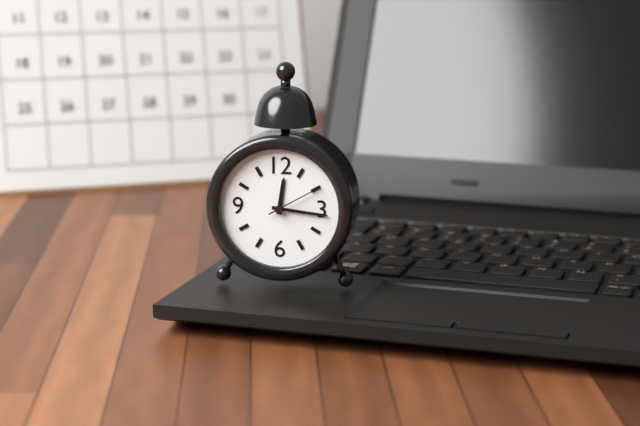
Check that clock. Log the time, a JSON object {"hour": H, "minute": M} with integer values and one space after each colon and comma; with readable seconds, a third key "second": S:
{"hour": 12, "minute": 16, "second": 10}
